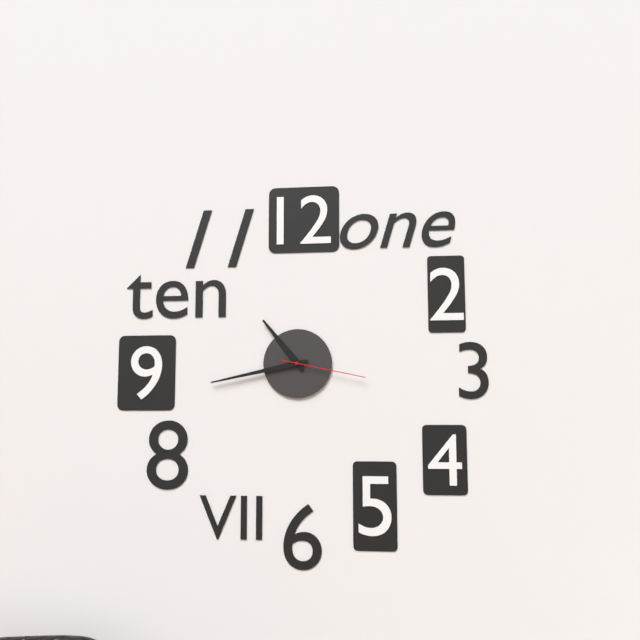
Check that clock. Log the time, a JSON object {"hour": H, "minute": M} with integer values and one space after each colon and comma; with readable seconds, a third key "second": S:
{"hour": 10, "minute": 43, "second": 17}
